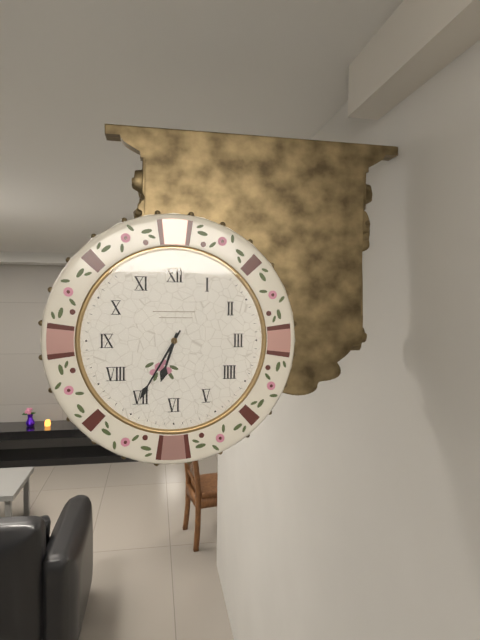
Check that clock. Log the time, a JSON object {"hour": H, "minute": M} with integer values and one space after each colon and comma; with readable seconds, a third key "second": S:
{"hour": 6, "minute": 35}
